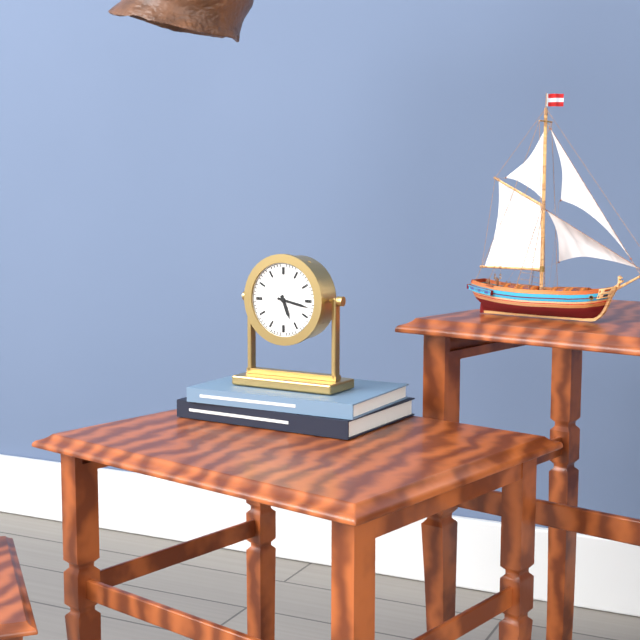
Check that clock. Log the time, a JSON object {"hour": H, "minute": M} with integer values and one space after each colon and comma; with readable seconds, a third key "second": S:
{"hour": 5, "minute": 17}
